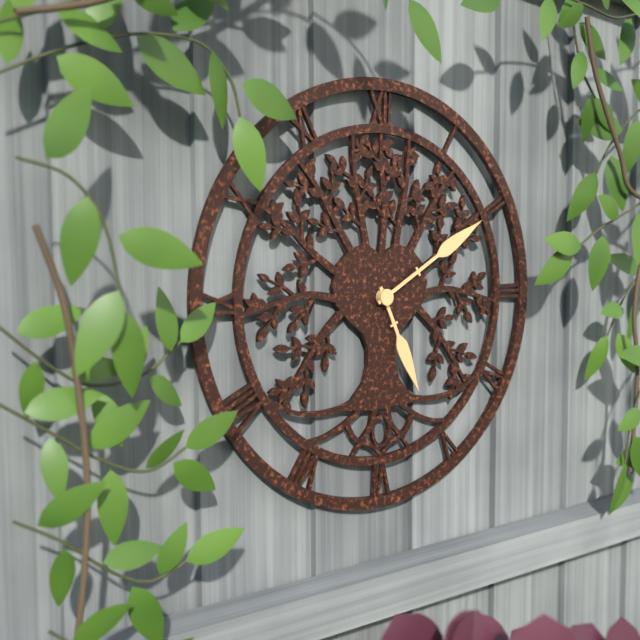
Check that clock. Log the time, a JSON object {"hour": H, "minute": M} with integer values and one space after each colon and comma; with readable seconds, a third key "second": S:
{"hour": 5, "minute": 10}
